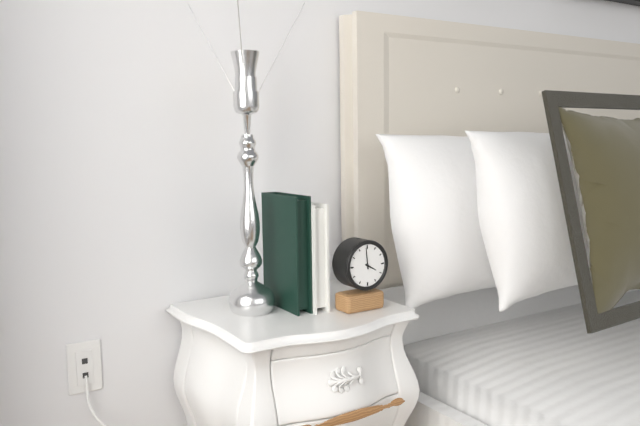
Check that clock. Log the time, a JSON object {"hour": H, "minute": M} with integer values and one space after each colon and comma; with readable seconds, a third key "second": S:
{"hour": 3, "minute": 59}
